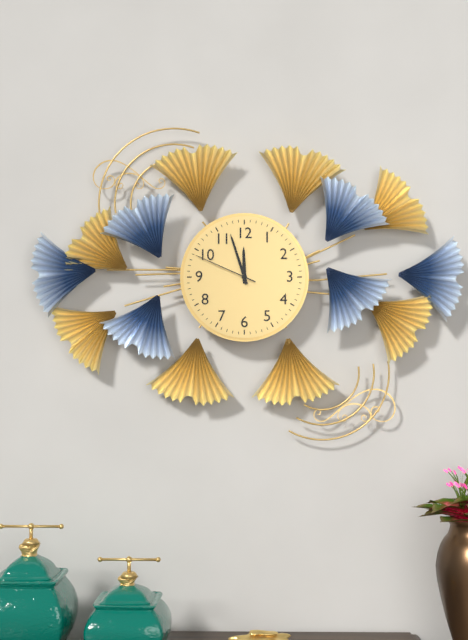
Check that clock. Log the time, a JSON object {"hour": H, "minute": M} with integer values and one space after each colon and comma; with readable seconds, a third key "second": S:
{"hour": 11, "minute": 57, "second": 49}
